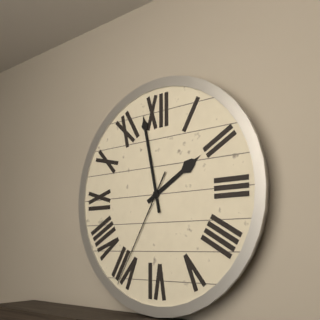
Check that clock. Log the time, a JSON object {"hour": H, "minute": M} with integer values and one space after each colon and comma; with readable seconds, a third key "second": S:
{"hour": 1, "minute": 58, "second": 35}
